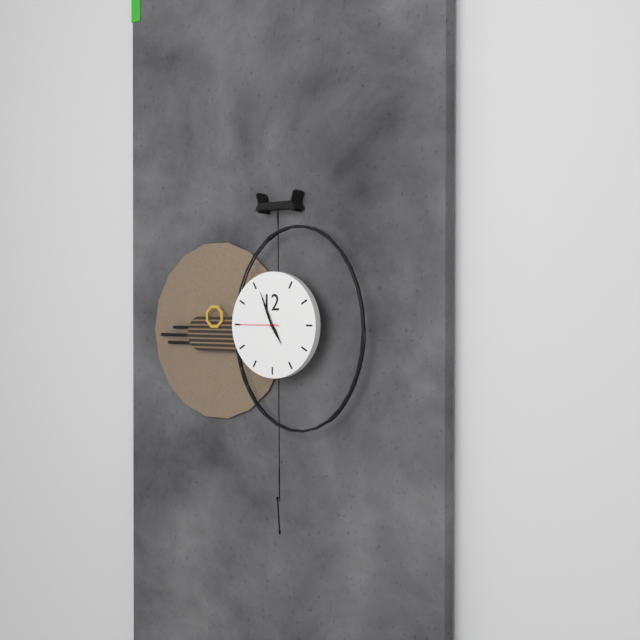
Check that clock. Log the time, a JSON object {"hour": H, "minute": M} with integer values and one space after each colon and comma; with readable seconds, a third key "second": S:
{"hour": 4, "minute": 56}
